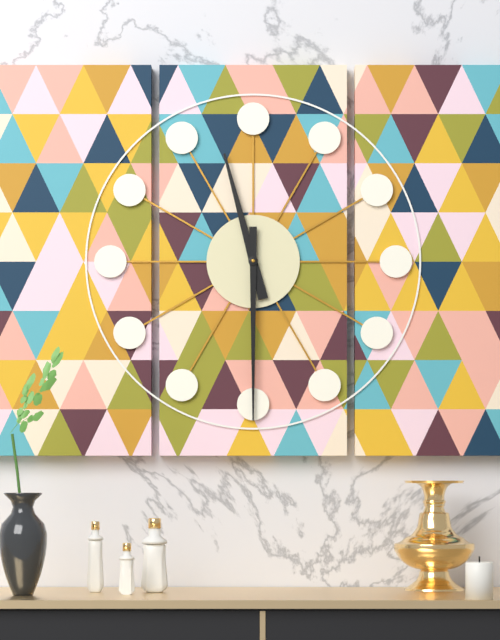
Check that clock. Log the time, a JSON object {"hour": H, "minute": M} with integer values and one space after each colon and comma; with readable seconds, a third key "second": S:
{"hour": 11, "minute": 30}
